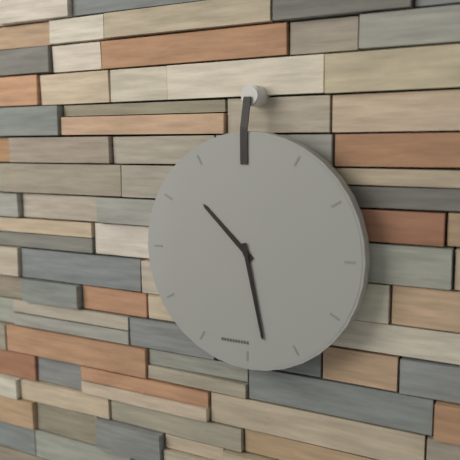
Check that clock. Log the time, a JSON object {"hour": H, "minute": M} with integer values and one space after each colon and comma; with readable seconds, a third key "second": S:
{"hour": 10, "minute": 28}
